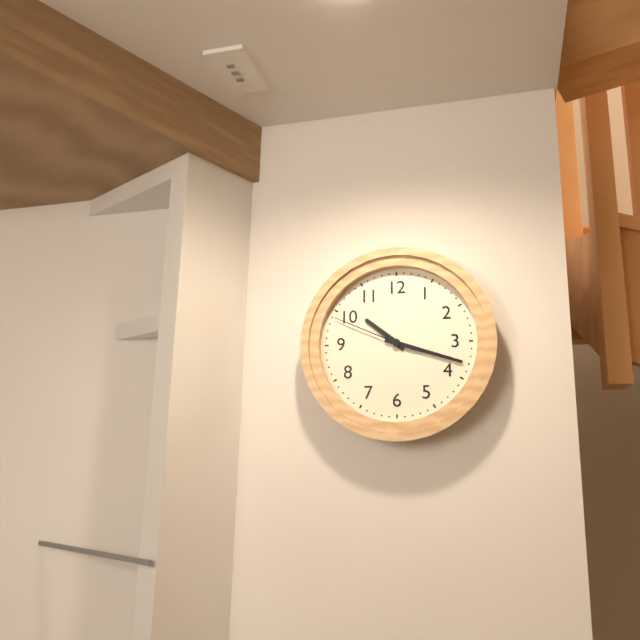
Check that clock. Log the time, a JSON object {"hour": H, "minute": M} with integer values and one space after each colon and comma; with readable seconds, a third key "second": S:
{"hour": 10, "minute": 18, "second": 49}
